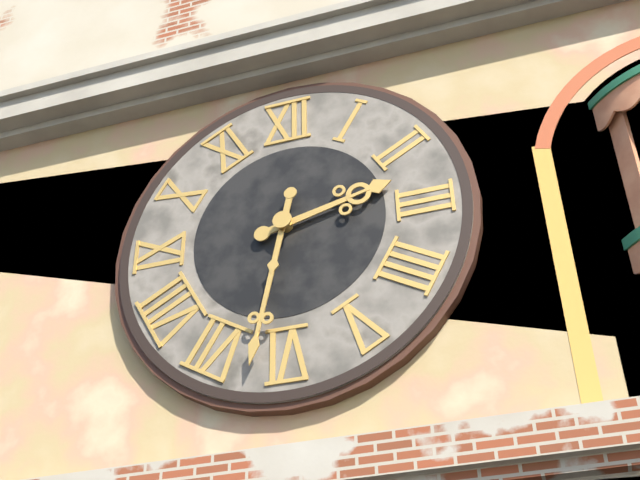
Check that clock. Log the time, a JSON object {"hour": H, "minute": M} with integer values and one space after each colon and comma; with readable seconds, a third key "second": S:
{"hour": 2, "minute": 32}
